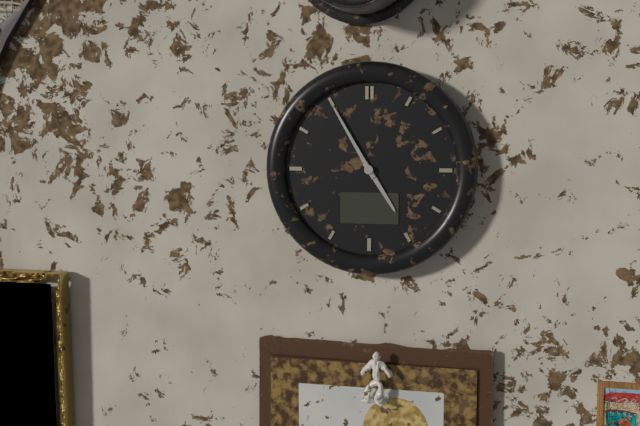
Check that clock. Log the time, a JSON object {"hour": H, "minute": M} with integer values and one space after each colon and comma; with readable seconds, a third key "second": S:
{"hour": 4, "minute": 55}
